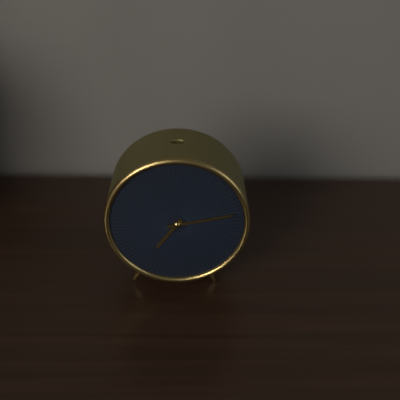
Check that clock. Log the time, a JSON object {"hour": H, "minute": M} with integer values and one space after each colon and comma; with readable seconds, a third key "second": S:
{"hour": 7, "minute": 13}
